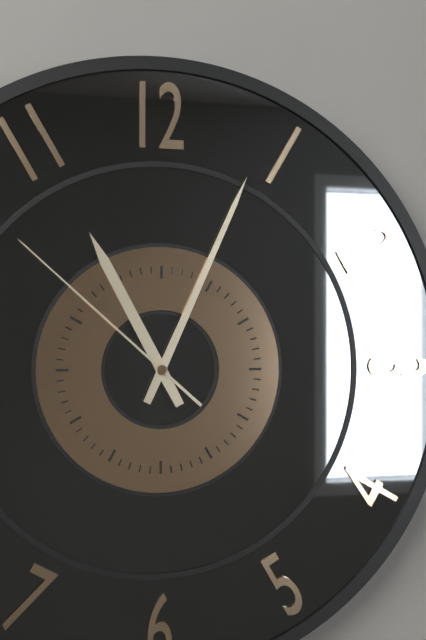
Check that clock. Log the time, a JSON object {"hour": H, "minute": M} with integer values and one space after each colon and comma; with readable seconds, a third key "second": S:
{"hour": 11, "minute": 4, "second": 52}
